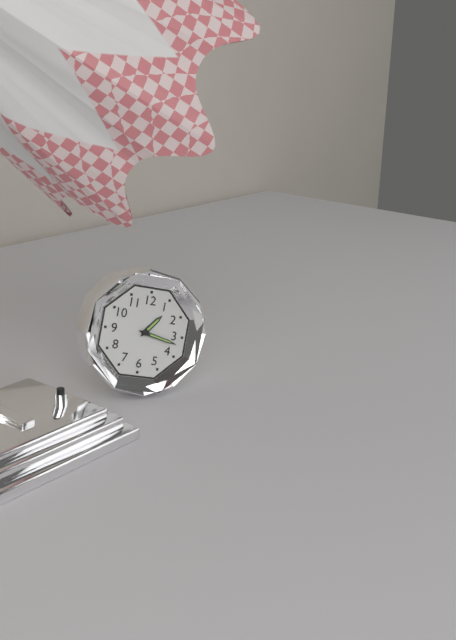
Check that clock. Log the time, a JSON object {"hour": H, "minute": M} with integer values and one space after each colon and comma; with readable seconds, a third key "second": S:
{"hour": 1, "minute": 17}
